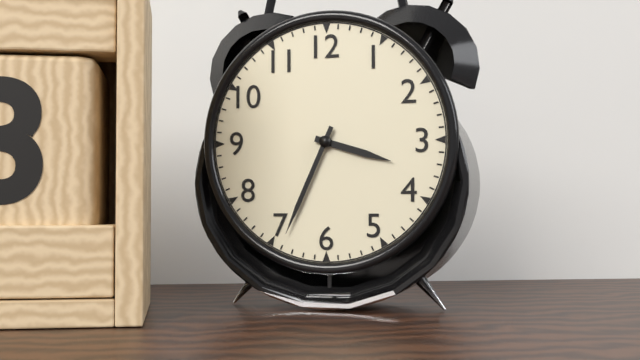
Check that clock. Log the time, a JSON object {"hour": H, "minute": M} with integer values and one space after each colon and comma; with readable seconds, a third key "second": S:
{"hour": 3, "minute": 34}
